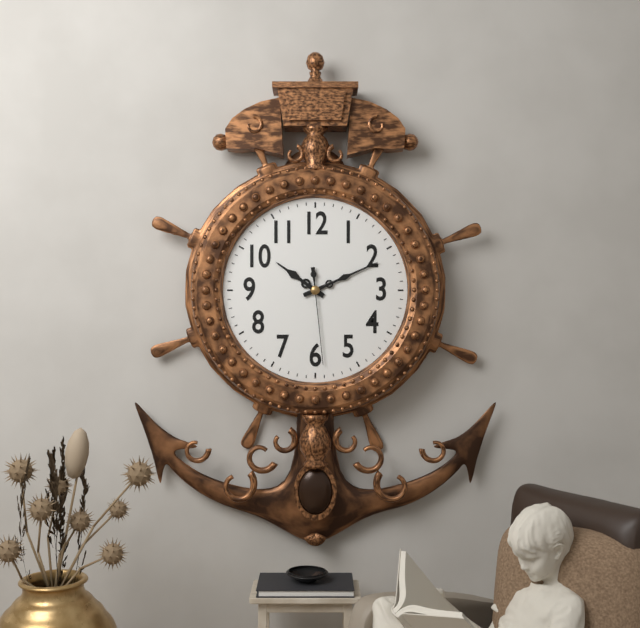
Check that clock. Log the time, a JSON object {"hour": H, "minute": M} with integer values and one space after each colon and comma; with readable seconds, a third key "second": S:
{"hour": 10, "minute": 11, "second": 29}
